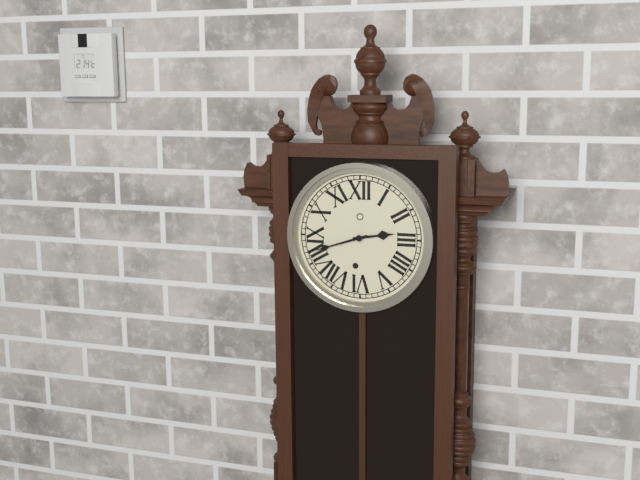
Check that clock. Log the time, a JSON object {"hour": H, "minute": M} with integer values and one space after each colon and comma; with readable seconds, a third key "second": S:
{"hour": 2, "minute": 42}
